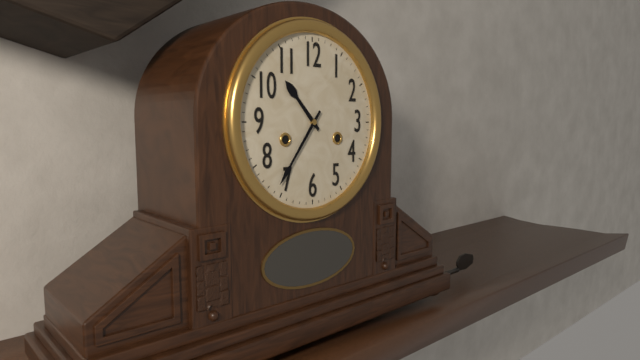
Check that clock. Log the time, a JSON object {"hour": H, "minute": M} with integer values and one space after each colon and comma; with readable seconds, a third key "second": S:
{"hour": 10, "minute": 36}
